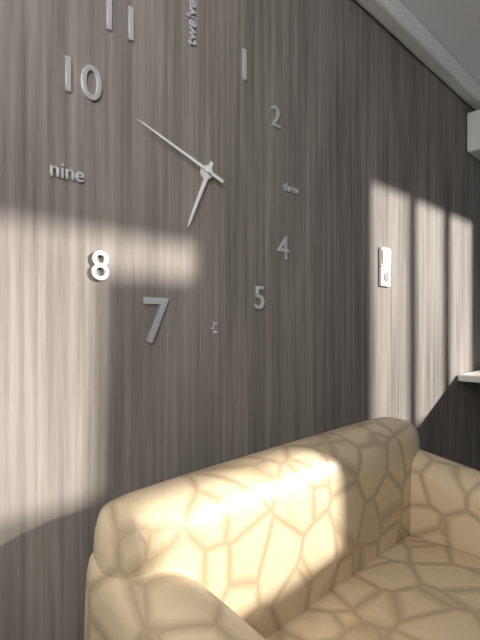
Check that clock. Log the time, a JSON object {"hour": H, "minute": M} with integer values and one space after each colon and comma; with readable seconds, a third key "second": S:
{"hour": 6, "minute": 48}
